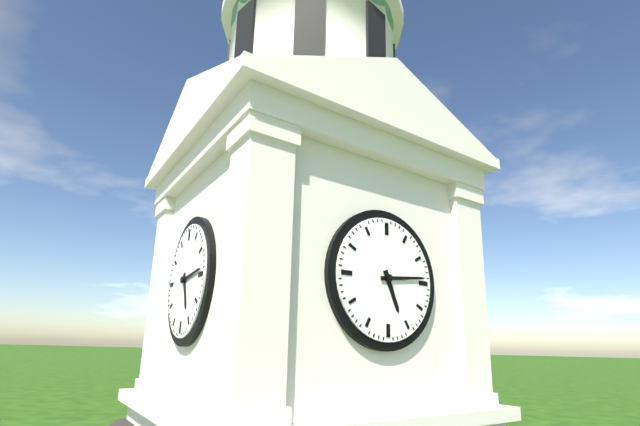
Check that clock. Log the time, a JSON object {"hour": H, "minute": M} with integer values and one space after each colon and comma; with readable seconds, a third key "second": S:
{"hour": 5, "minute": 14}
